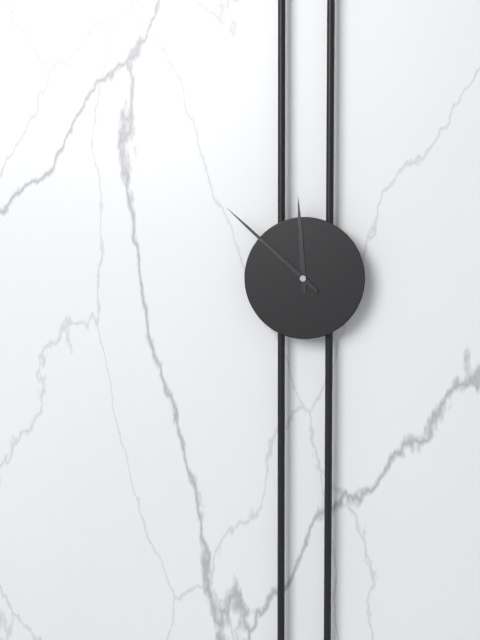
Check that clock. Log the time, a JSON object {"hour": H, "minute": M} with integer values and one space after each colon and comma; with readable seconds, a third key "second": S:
{"hour": 11, "minute": 52}
